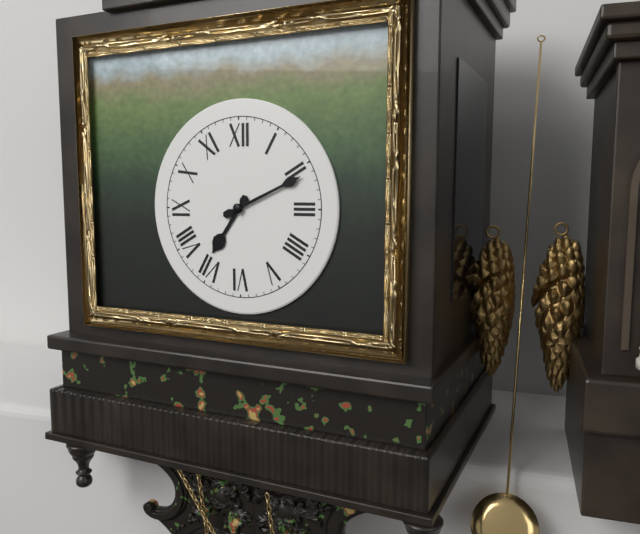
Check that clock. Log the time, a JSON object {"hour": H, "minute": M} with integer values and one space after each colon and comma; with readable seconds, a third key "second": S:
{"hour": 7, "minute": 11}
